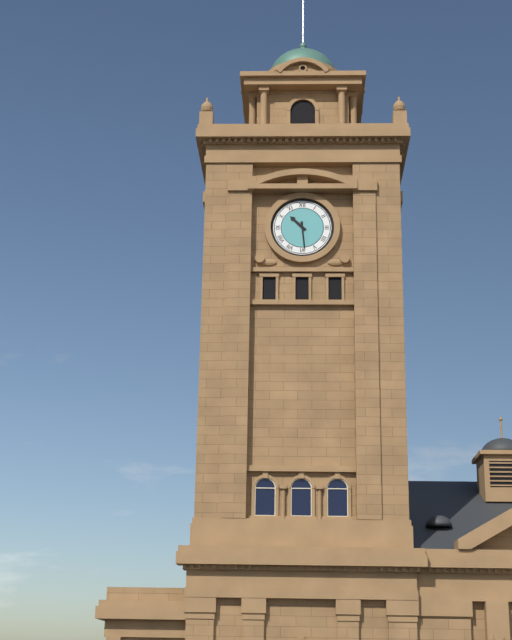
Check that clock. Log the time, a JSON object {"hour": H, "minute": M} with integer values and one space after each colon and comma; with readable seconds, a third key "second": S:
{"hour": 10, "minute": 29}
